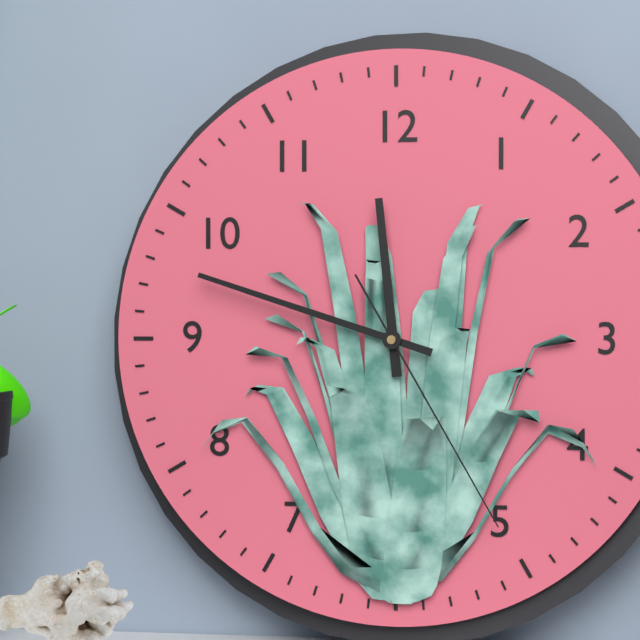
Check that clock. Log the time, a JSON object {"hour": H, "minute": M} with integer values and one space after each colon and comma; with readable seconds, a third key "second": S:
{"hour": 11, "minute": 48, "second": 25}
